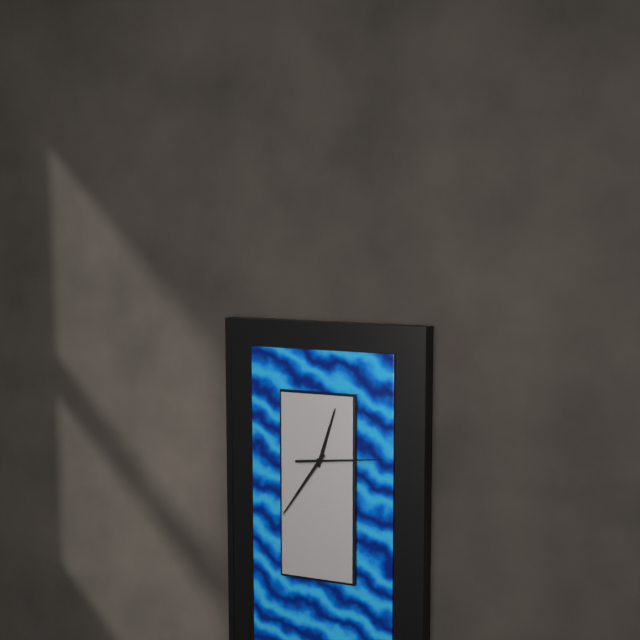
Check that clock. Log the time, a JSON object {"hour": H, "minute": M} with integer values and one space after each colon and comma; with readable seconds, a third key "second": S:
{"hour": 12, "minute": 36, "second": 14}
